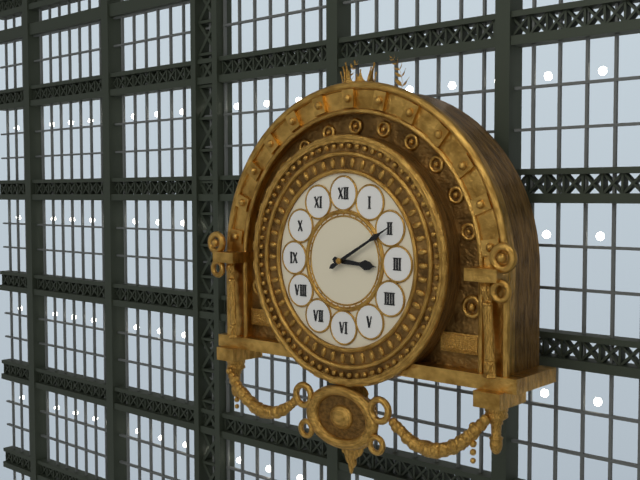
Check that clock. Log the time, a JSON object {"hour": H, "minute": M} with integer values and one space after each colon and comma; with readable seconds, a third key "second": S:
{"hour": 3, "minute": 10}
